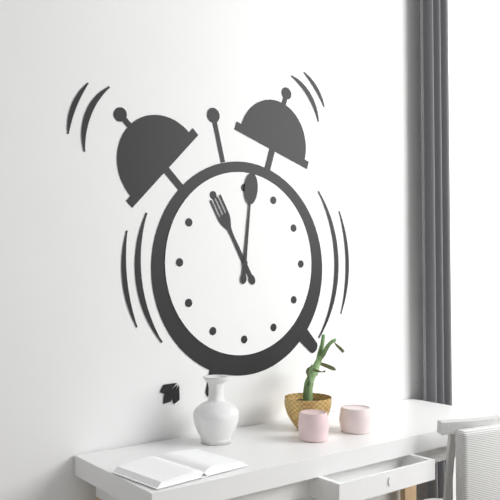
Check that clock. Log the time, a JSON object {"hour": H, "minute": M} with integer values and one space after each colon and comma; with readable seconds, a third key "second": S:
{"hour": 11, "minute": 1}
